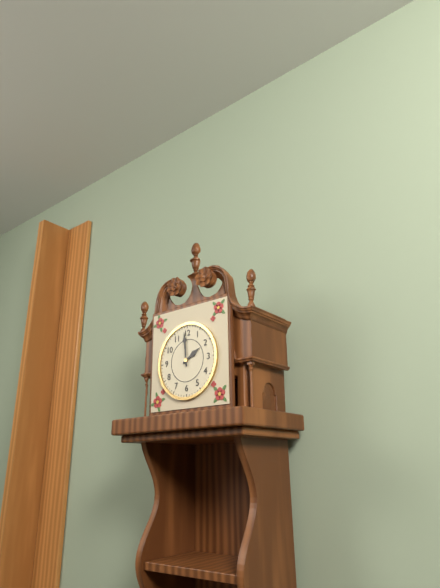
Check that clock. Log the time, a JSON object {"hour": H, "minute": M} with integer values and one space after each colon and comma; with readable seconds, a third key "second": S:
{"hour": 1, "minute": 59}
